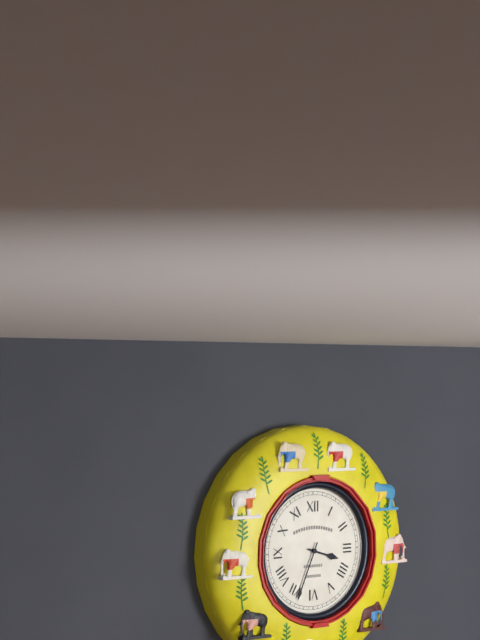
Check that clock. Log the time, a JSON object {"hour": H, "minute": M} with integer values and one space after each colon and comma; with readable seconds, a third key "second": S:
{"hour": 3, "minute": 34}
